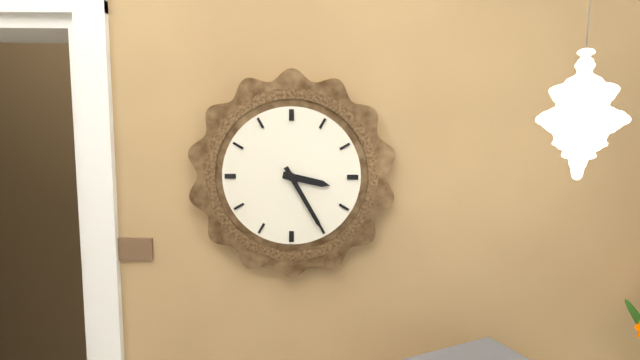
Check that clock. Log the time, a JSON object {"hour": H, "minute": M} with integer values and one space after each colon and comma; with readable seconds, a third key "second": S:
{"hour": 3, "minute": 25}
